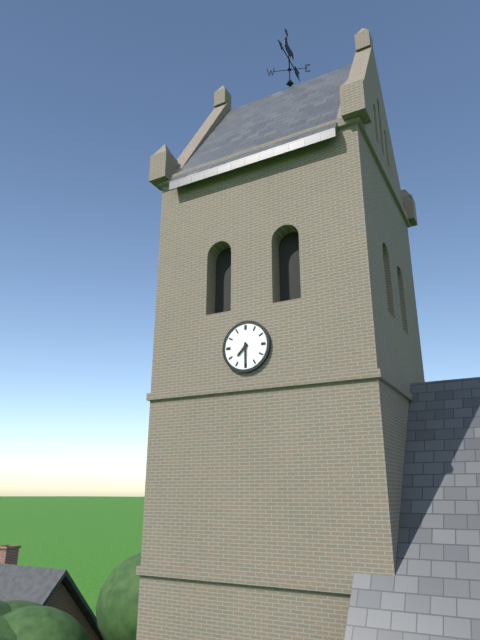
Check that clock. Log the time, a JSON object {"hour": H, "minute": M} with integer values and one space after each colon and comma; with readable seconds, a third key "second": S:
{"hour": 7, "minute": 30}
